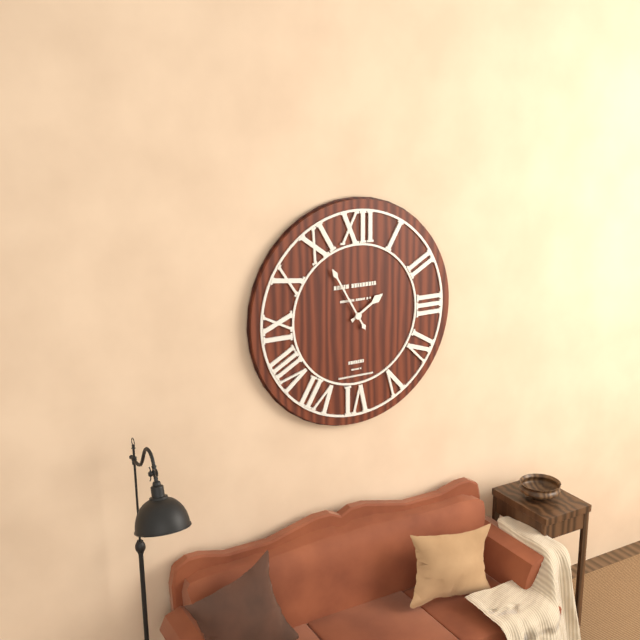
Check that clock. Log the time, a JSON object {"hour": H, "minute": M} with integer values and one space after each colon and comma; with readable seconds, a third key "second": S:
{"hour": 1, "minute": 55}
